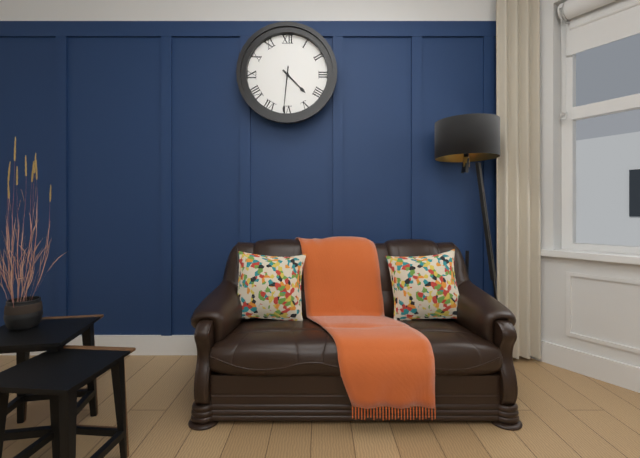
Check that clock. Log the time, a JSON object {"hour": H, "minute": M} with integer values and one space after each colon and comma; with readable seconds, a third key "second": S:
{"hour": 4, "minute": 31}
